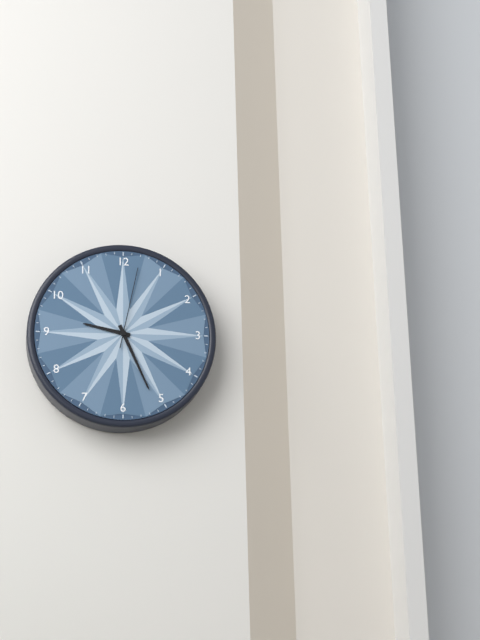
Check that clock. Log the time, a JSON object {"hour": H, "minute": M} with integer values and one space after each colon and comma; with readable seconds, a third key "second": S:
{"hour": 9, "minute": 26, "second": 2}
